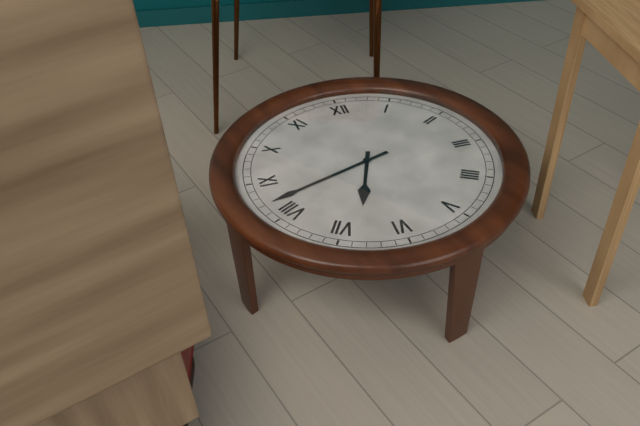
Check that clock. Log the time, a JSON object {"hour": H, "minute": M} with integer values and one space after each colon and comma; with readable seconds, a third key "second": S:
{"hour": 6, "minute": 42}
